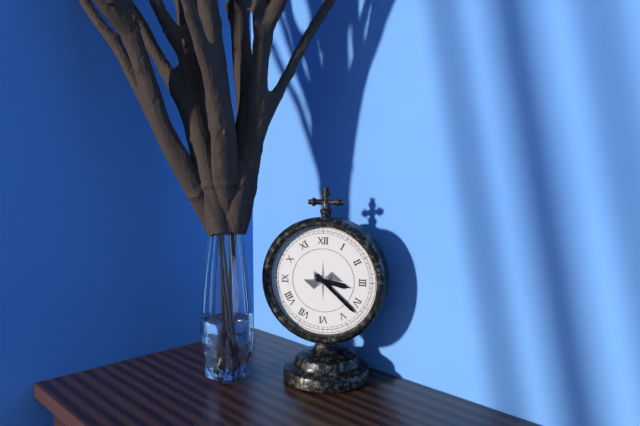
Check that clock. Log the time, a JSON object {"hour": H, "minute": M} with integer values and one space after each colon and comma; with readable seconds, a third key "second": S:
{"hour": 3, "minute": 22}
